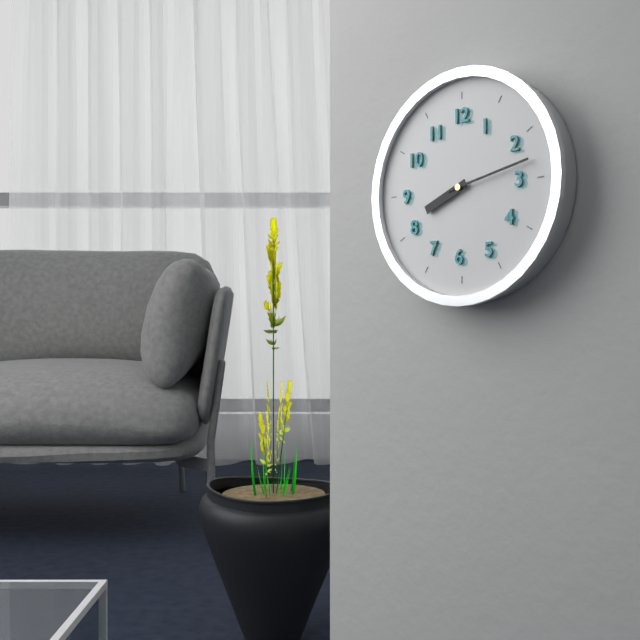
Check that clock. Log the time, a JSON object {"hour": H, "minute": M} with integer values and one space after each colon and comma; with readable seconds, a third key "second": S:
{"hour": 8, "minute": 13}
